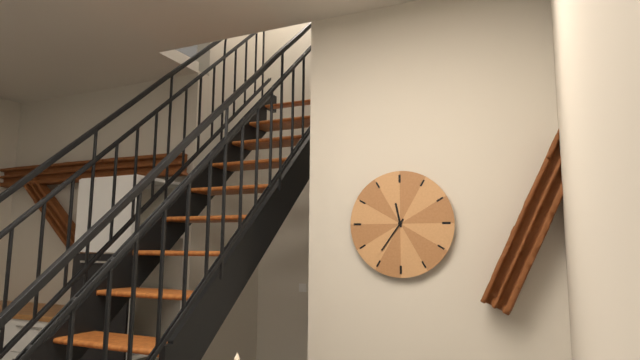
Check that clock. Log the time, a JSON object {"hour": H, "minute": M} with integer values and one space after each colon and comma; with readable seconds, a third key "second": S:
{"hour": 11, "minute": 36}
